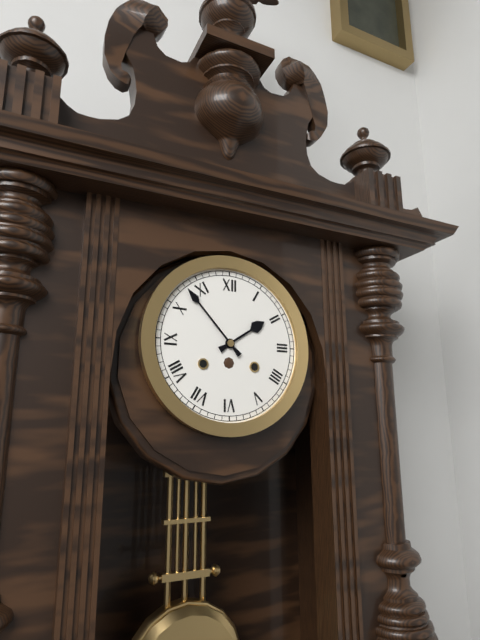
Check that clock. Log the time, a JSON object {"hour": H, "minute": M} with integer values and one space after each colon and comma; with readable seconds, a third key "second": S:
{"hour": 1, "minute": 53}
